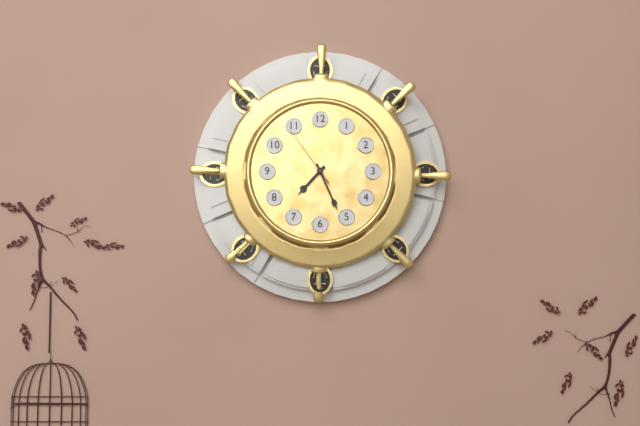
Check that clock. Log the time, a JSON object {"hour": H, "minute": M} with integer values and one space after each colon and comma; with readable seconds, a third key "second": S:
{"hour": 7, "minute": 26, "second": 54}
